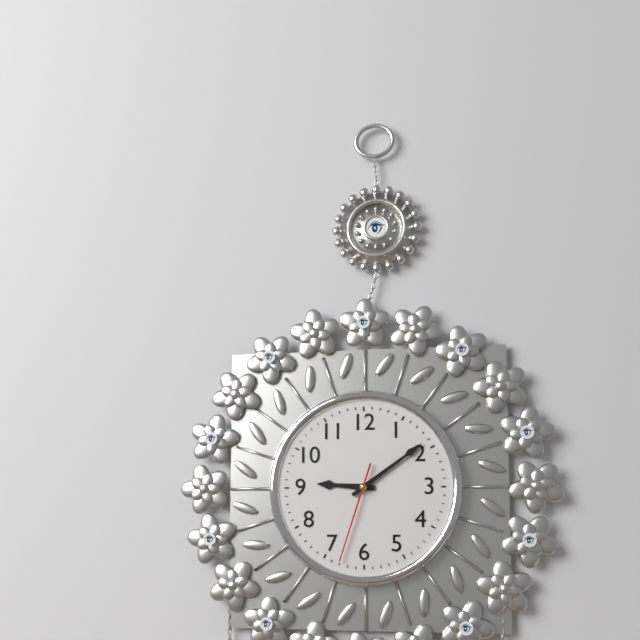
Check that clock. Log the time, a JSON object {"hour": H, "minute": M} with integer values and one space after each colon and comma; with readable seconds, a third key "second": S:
{"hour": 9, "minute": 9, "second": 33}
